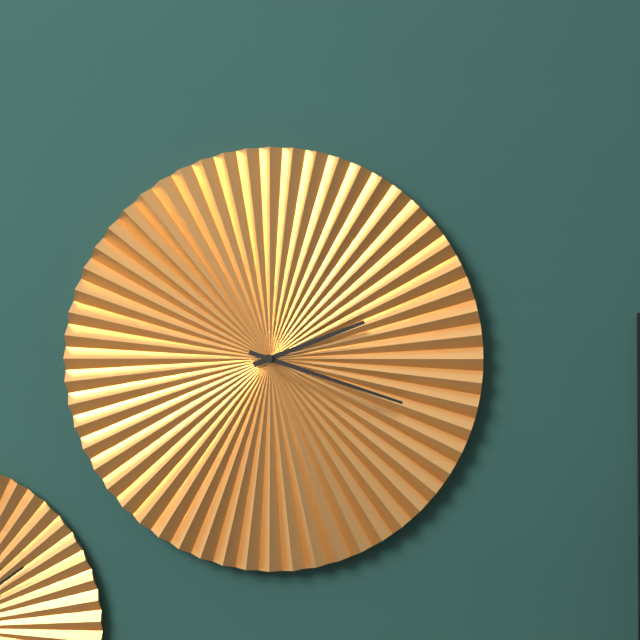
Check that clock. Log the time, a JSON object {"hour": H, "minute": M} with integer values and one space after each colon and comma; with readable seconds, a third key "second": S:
{"hour": 2, "minute": 18}
